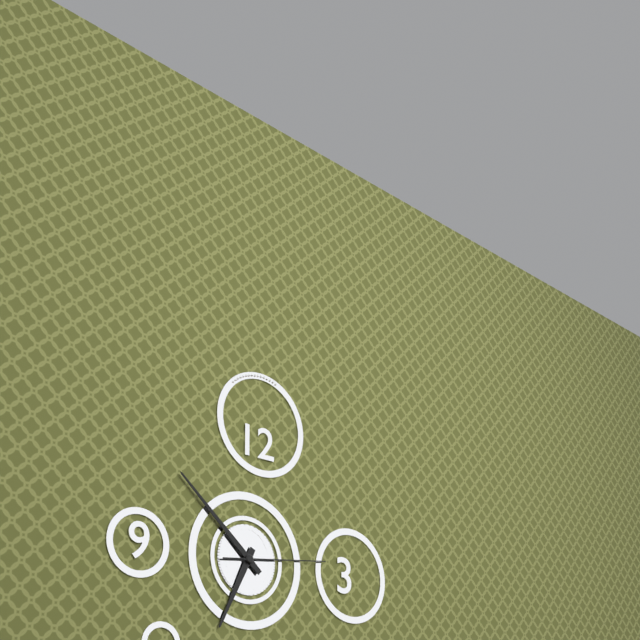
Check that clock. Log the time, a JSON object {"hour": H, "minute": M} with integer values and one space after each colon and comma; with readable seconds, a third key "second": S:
{"hour": 6, "minute": 52, "second": 14}
